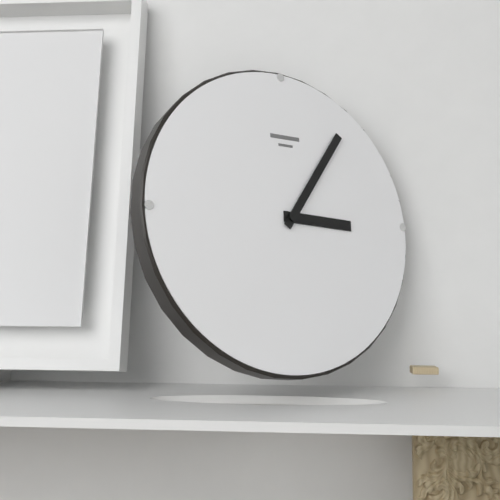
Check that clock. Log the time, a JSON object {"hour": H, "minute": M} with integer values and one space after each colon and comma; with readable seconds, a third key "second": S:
{"hour": 3, "minute": 6}
